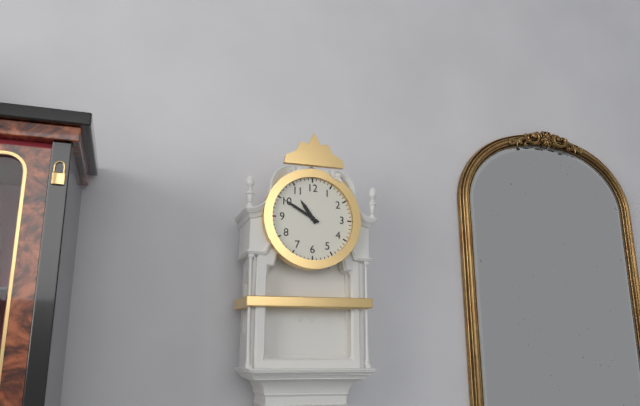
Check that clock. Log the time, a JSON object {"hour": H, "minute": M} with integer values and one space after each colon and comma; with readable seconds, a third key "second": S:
{"hour": 10, "minute": 50}
